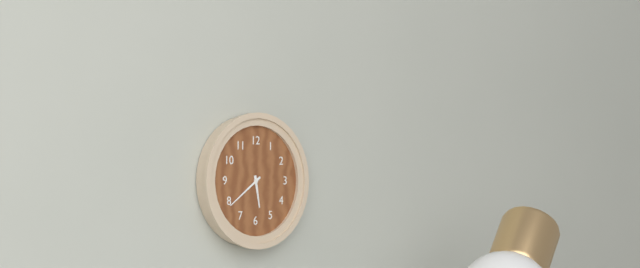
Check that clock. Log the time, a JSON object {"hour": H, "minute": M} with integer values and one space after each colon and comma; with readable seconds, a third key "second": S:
{"hour": 5, "minute": 39}
